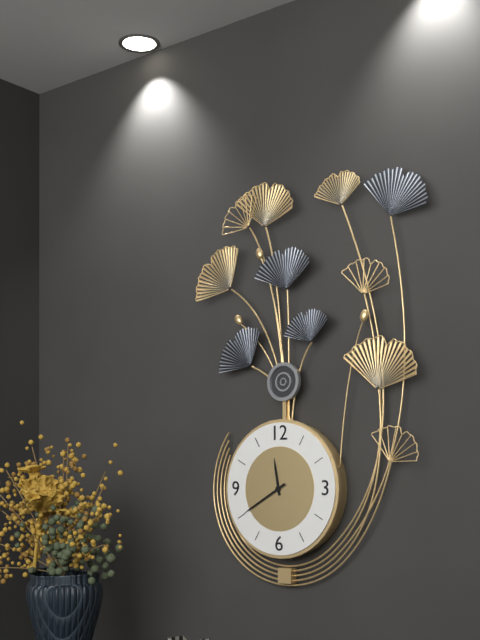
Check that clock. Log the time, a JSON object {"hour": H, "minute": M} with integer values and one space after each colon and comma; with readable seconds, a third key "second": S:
{"hour": 11, "minute": 40}
